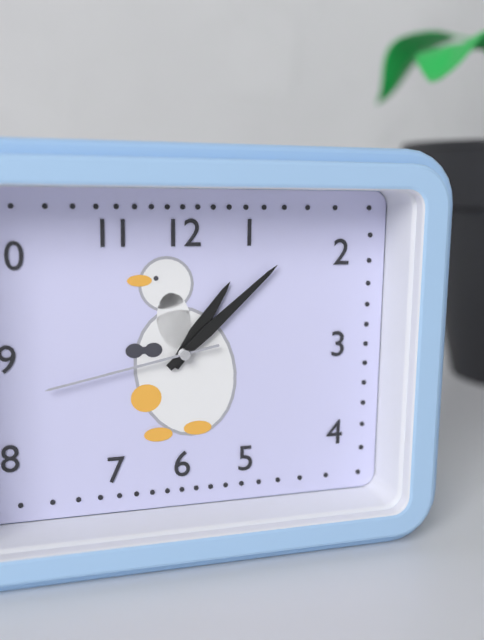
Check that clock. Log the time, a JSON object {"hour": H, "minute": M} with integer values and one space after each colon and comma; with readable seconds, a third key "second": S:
{"hour": 1, "minute": 8, "second": 43}
